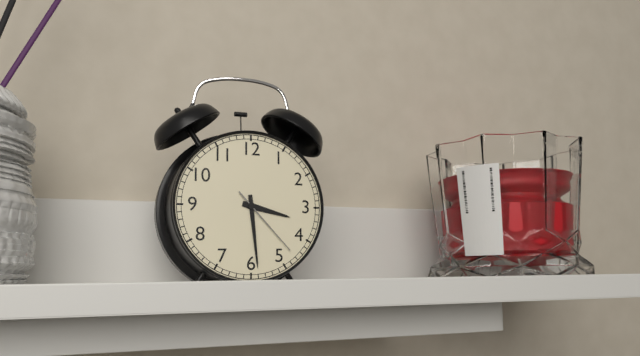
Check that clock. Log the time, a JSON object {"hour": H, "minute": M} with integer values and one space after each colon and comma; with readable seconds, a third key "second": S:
{"hour": 3, "minute": 29, "second": 23}
